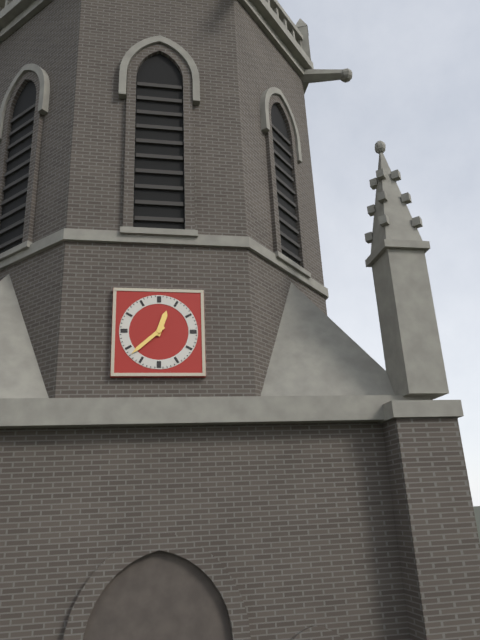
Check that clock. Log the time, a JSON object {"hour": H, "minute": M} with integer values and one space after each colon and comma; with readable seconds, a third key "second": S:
{"hour": 12, "minute": 38}
